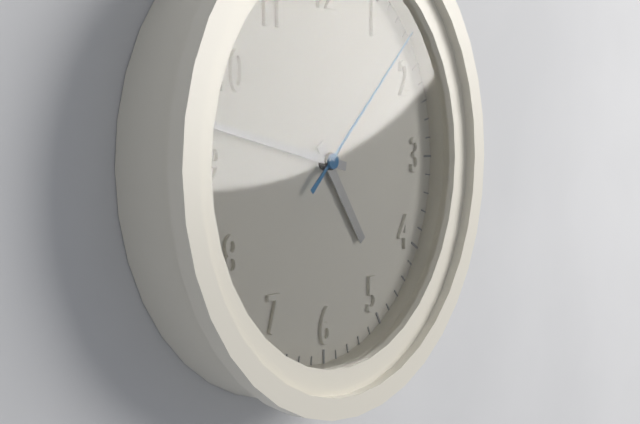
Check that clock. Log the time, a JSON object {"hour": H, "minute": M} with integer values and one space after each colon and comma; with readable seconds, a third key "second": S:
{"hour": 4, "minute": 47, "second": 8}
